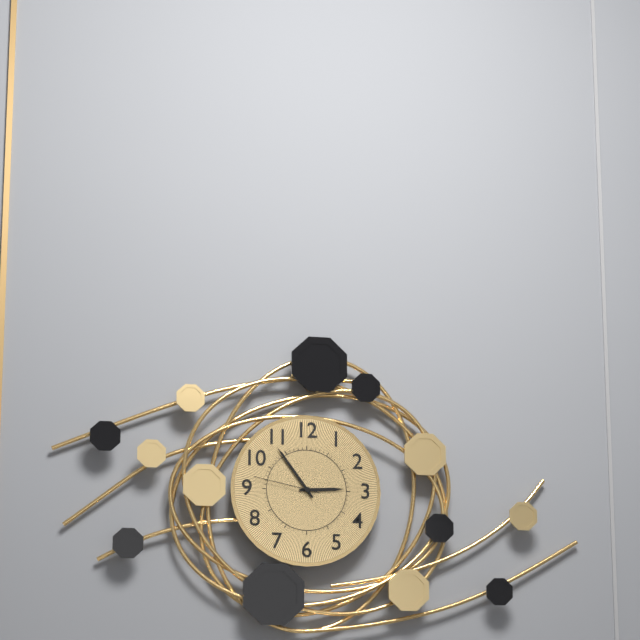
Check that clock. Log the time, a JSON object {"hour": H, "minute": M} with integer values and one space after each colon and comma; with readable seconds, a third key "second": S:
{"hour": 2, "minute": 54, "second": 47}
